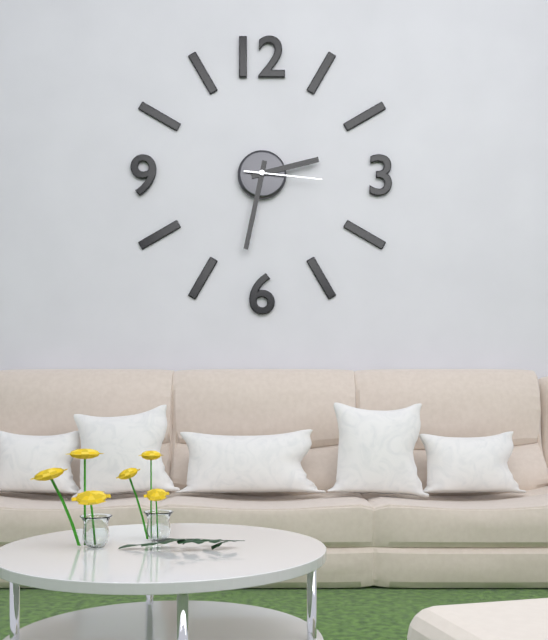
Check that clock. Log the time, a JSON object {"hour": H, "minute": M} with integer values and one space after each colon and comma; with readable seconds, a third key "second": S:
{"hour": 2, "minute": 32, "second": 16}
